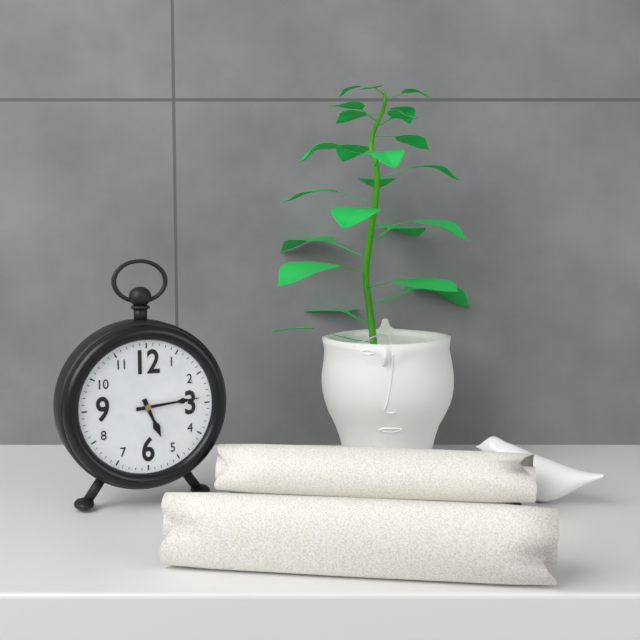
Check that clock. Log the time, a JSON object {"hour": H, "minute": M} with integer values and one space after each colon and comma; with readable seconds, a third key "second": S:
{"hour": 5, "minute": 14}
